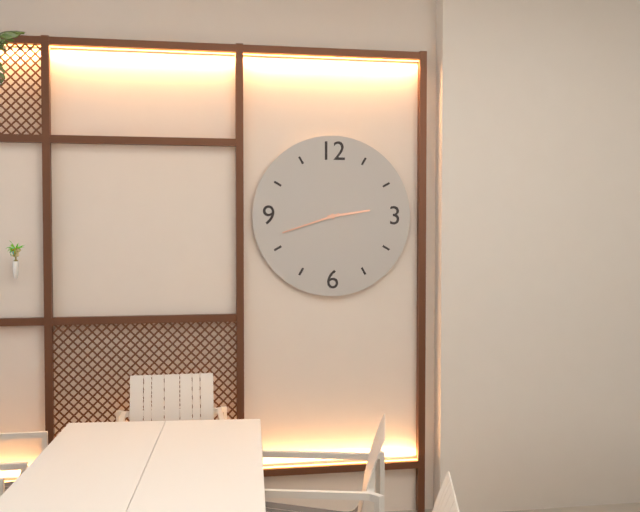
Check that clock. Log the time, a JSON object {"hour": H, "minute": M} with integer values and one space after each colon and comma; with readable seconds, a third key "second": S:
{"hour": 2, "minute": 42}
